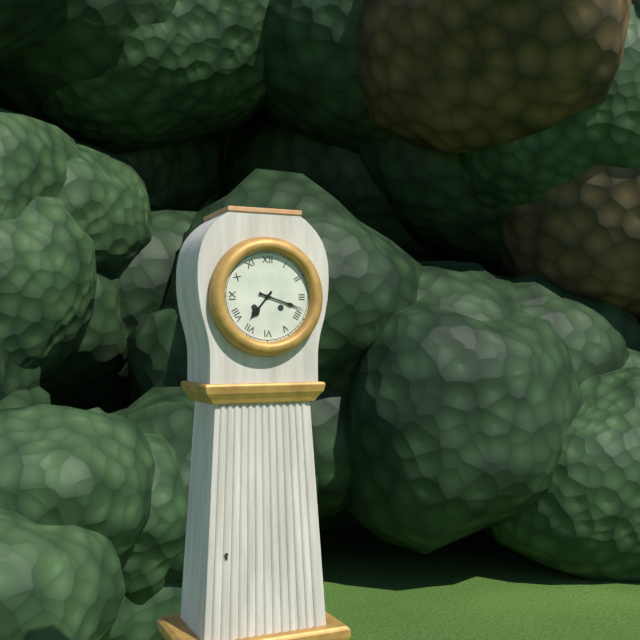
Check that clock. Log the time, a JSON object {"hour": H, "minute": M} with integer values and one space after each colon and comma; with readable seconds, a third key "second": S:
{"hour": 7, "minute": 18}
